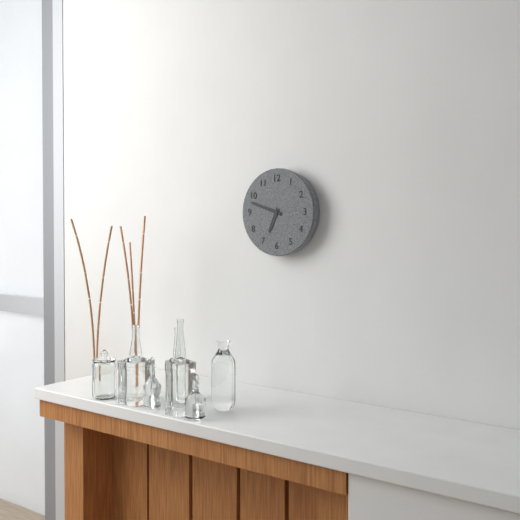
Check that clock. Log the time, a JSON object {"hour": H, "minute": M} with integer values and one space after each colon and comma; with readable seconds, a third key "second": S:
{"hour": 6, "minute": 48}
